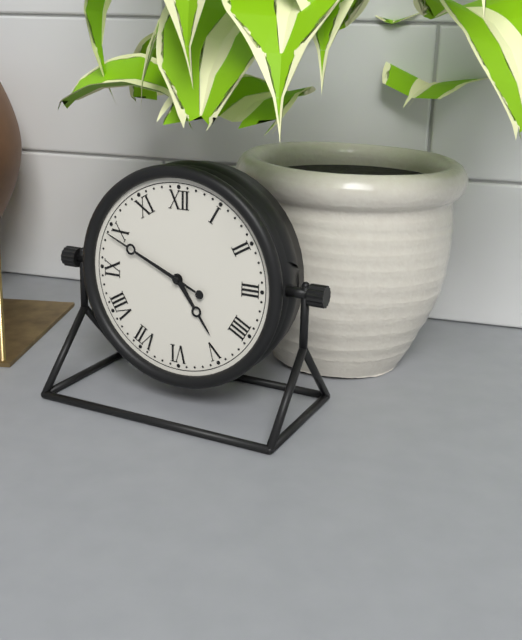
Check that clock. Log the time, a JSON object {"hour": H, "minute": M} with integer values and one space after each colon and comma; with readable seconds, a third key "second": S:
{"hour": 4, "minute": 49}
